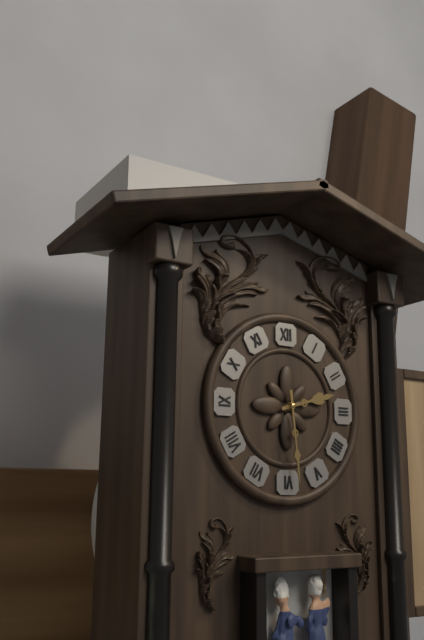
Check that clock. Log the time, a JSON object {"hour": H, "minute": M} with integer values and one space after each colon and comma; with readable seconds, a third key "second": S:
{"hour": 2, "minute": 29}
